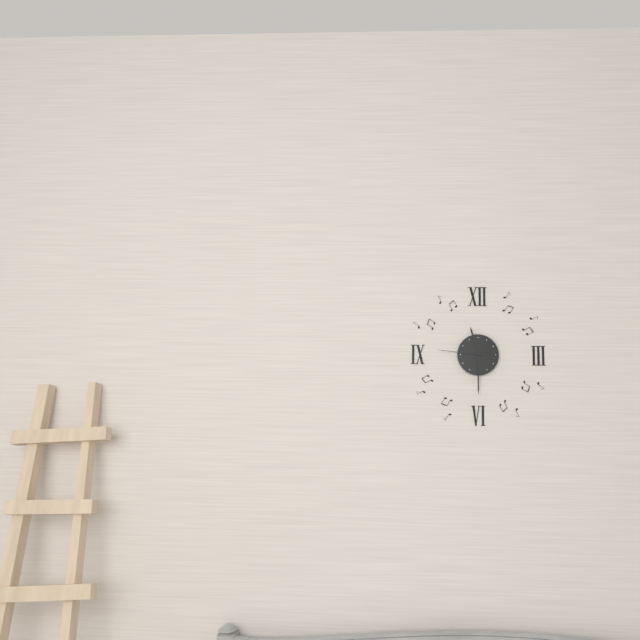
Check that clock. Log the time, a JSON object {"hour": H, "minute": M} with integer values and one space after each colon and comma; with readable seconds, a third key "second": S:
{"hour": 11, "minute": 30, "second": 46}
